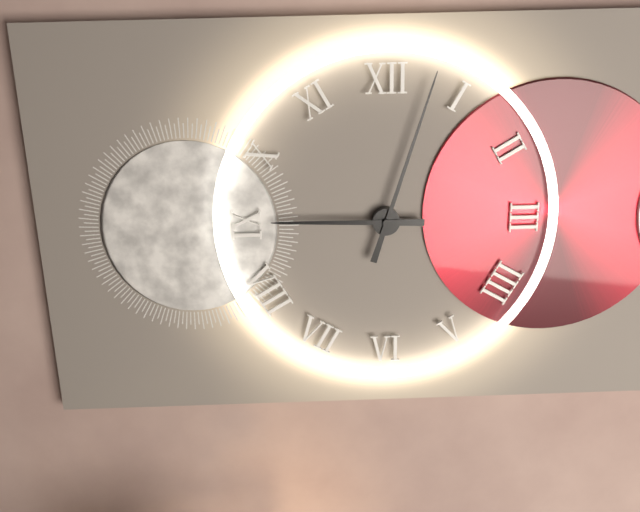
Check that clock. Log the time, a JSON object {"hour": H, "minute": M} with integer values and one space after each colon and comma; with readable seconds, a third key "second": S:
{"hour": 9, "minute": 3}
